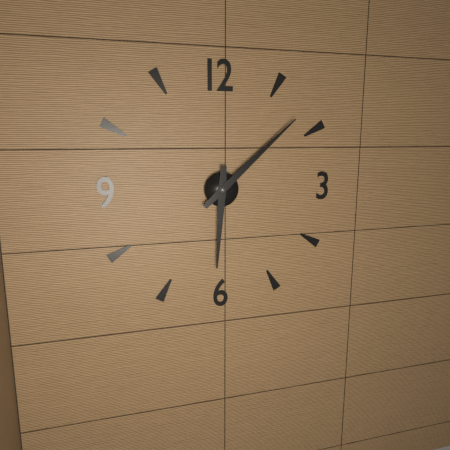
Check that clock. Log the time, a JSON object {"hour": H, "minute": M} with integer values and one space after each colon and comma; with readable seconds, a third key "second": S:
{"hour": 6, "minute": 8}
